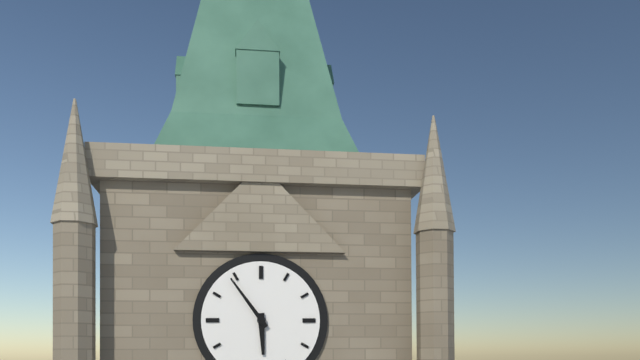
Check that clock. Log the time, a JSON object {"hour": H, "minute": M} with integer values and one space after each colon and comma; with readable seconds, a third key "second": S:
{"hour": 5, "minute": 54}
